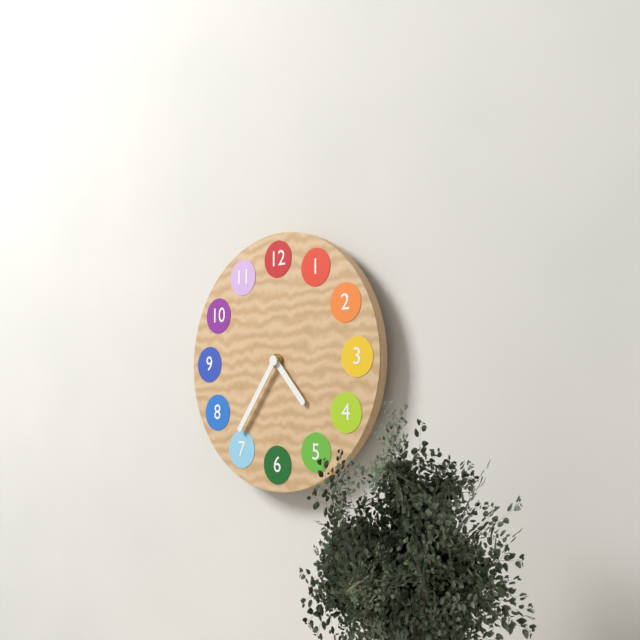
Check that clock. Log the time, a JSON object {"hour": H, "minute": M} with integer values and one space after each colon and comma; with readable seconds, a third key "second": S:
{"hour": 4, "minute": 36}
